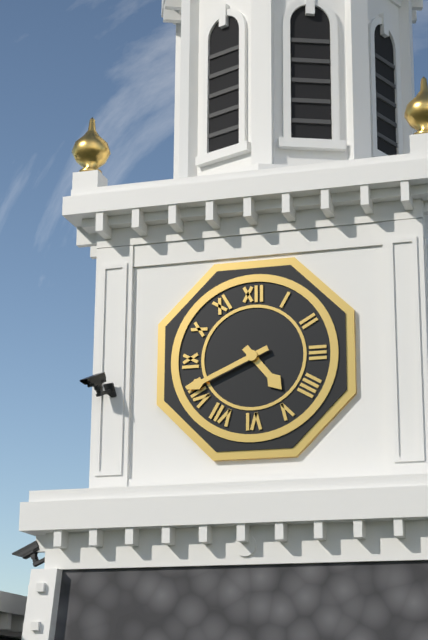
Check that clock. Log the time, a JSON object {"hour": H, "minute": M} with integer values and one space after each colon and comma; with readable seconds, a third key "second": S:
{"hour": 4, "minute": 41}
